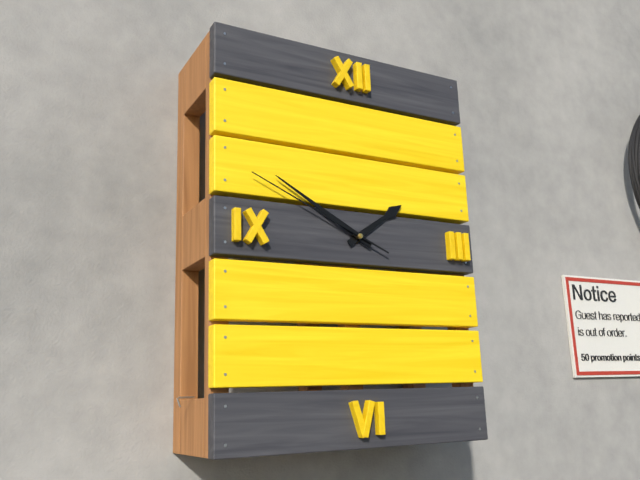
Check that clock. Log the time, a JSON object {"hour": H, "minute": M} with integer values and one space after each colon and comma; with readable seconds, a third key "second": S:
{"hour": 1, "minute": 50, "second": 49}
